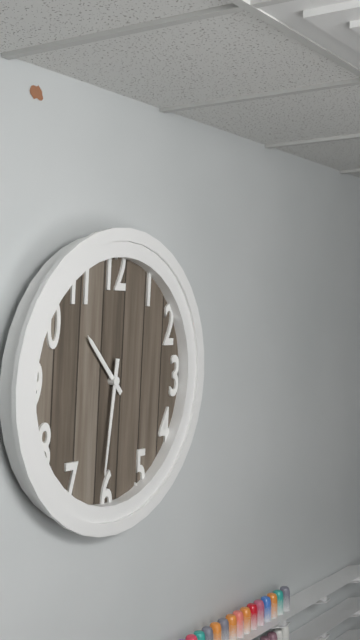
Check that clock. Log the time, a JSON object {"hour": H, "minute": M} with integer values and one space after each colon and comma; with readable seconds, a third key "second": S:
{"hour": 10, "minute": 31}
